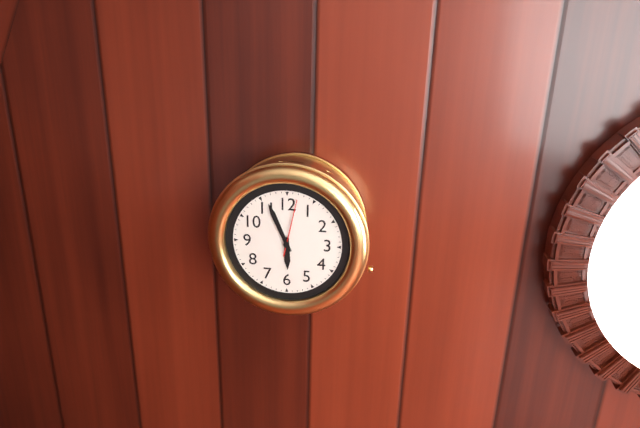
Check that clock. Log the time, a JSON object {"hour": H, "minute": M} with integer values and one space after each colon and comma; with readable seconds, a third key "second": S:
{"hour": 5, "minute": 56, "second": 2}
